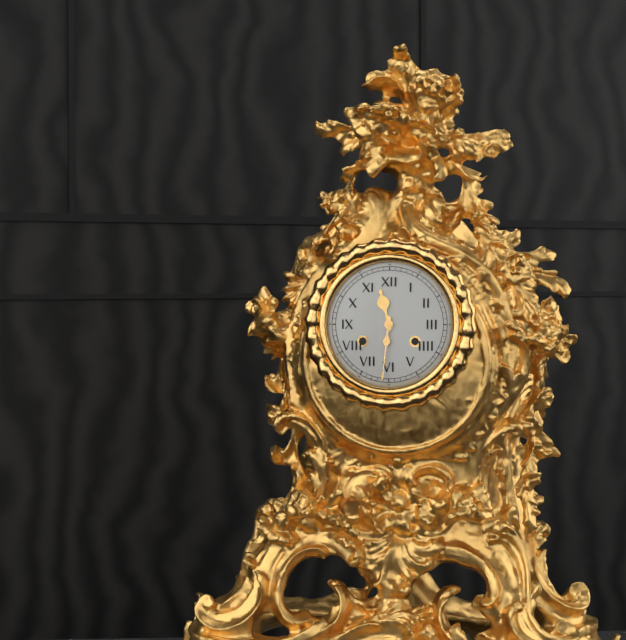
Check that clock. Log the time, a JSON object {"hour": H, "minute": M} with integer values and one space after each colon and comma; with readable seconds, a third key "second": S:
{"hour": 11, "minute": 31}
